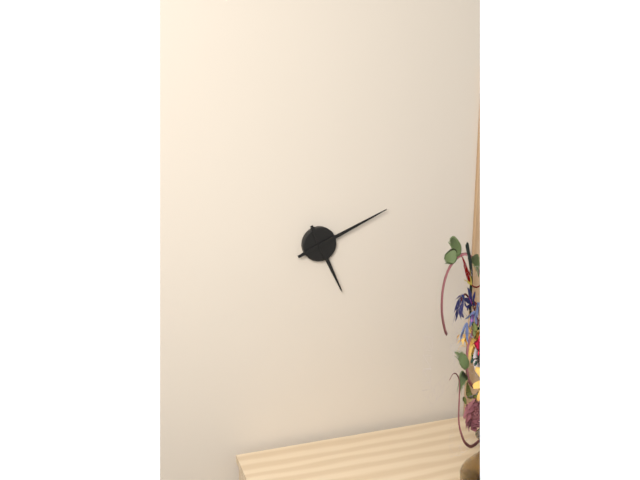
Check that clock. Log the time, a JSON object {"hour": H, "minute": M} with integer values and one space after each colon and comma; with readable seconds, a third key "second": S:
{"hour": 5, "minute": 11}
